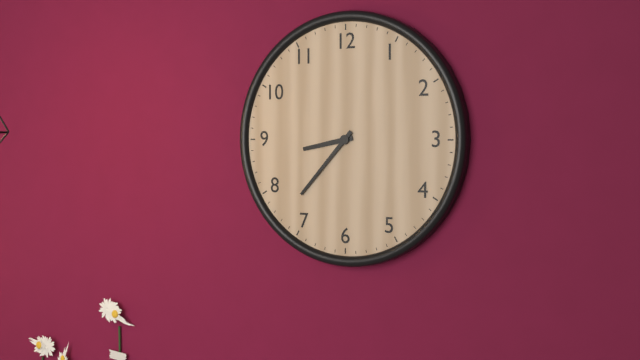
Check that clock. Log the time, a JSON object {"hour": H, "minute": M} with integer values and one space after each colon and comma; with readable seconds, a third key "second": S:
{"hour": 8, "minute": 37}
